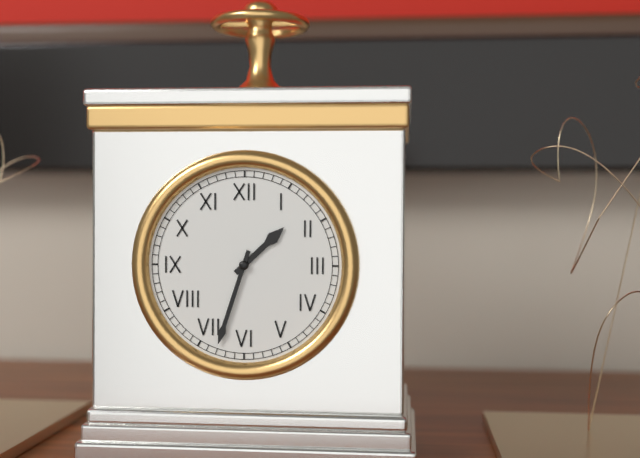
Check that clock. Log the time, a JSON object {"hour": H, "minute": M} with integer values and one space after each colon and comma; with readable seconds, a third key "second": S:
{"hour": 1, "minute": 33}
